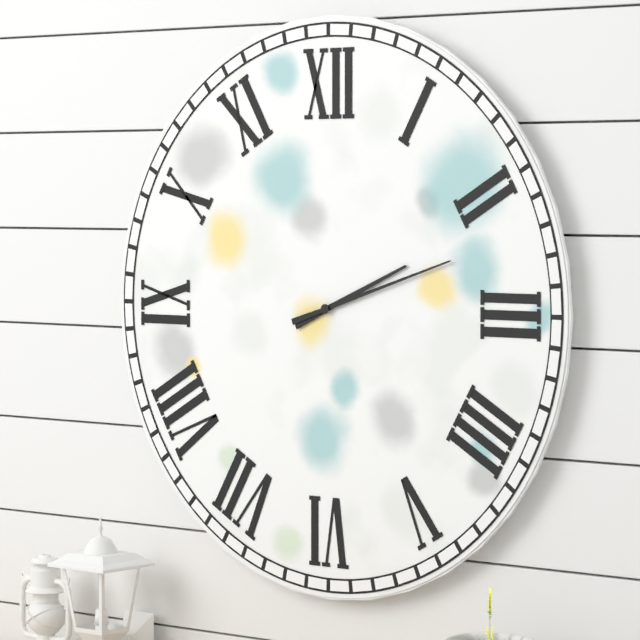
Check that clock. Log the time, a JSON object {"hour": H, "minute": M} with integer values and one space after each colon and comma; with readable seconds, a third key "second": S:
{"hour": 2, "minute": 12}
